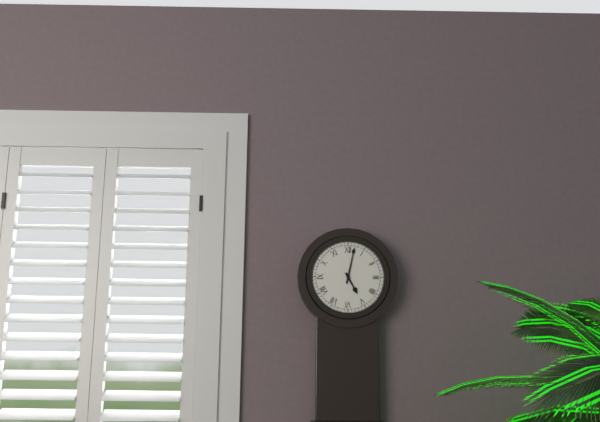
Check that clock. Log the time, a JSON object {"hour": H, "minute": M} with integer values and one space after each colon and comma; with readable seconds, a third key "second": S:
{"hour": 5, "minute": 2}
